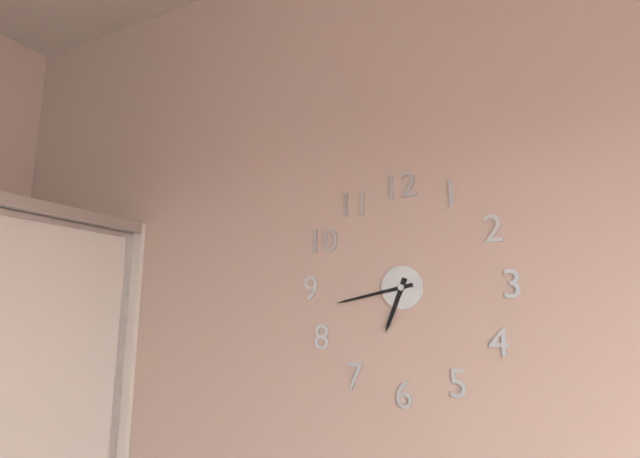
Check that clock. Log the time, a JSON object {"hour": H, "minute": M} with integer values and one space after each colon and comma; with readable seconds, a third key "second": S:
{"hour": 6, "minute": 43}
